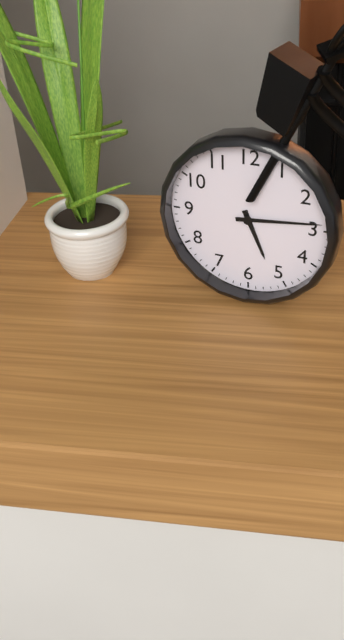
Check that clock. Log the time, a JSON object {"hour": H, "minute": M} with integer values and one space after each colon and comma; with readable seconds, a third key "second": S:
{"hour": 5, "minute": 14}
